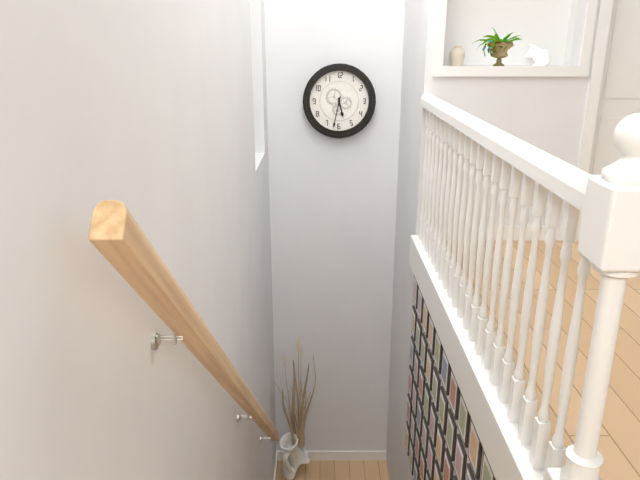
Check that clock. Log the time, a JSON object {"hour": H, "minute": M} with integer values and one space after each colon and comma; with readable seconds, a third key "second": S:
{"hour": 5, "minute": 32}
